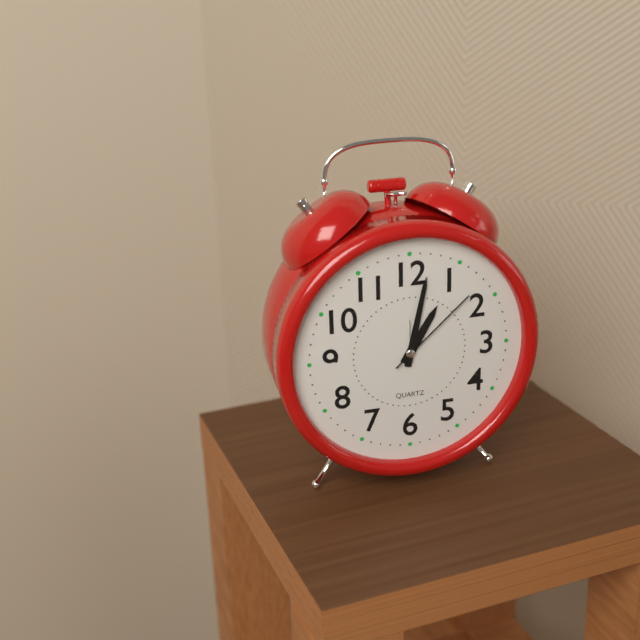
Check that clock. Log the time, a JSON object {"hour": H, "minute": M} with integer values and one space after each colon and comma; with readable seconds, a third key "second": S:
{"hour": 1, "minute": 2, "second": 8}
